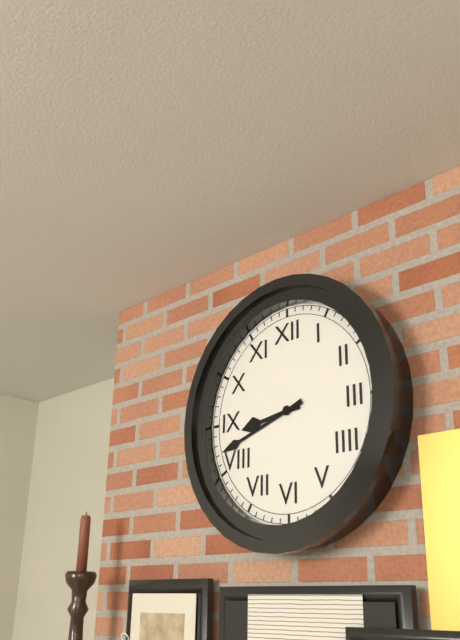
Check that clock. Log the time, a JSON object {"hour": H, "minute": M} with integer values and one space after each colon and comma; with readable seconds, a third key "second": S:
{"hour": 8, "minute": 42}
